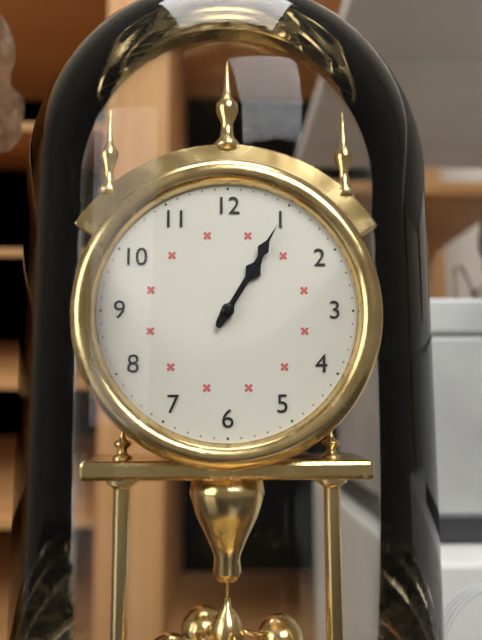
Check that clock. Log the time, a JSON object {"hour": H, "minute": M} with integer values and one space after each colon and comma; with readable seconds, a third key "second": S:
{"hour": 1, "minute": 5}
